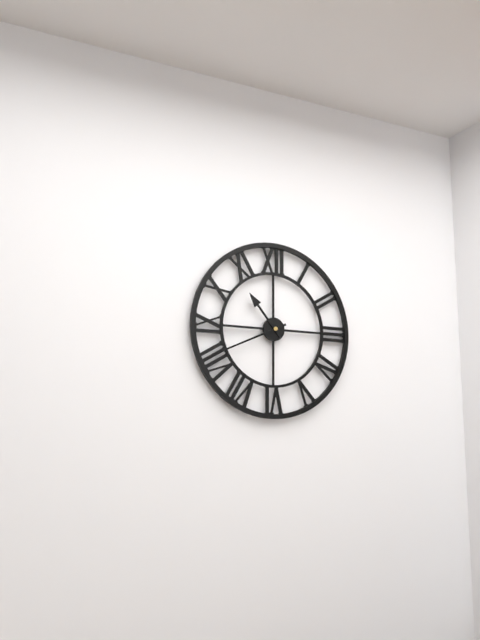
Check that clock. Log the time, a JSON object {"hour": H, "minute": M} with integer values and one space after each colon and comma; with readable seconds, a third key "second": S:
{"hour": 10, "minute": 41}
